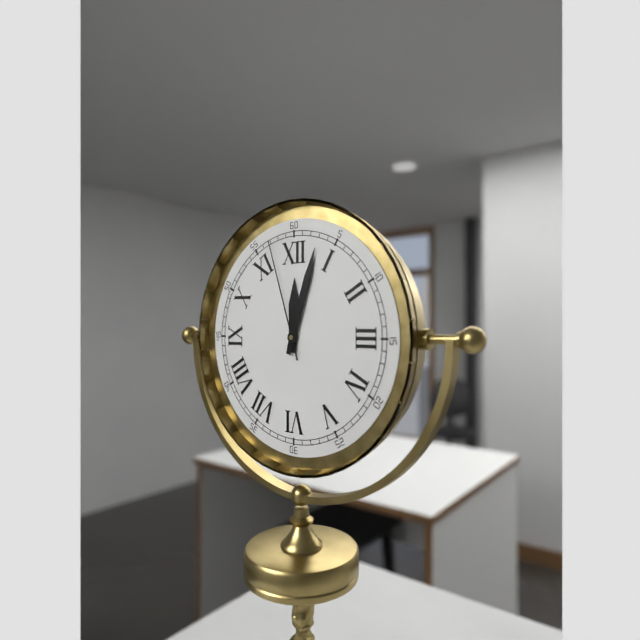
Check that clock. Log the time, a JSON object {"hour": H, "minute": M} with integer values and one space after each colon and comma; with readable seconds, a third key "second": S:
{"hour": 12, "minute": 3, "second": 57}
